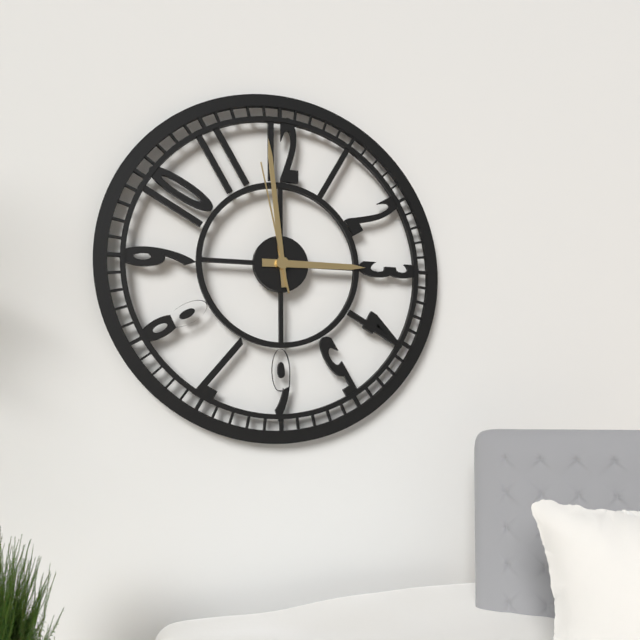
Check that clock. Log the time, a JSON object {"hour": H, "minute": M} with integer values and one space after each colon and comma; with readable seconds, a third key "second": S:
{"hour": 2, "minute": 59, "second": 58}
